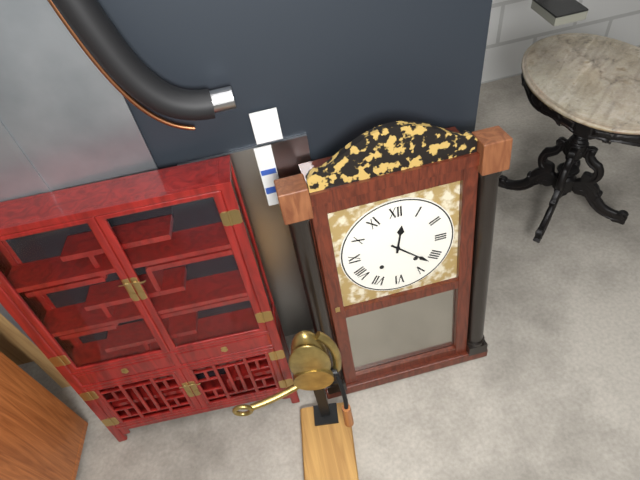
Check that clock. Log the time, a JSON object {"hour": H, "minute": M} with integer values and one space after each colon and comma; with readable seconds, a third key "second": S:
{"hour": 12, "minute": 22}
